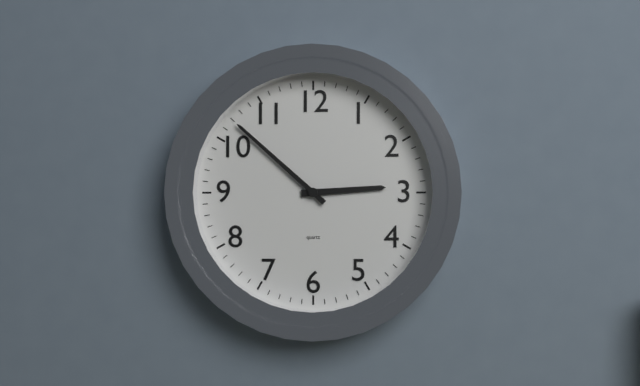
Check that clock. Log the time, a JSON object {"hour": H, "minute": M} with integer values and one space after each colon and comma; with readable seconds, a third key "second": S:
{"hour": 2, "minute": 52}
